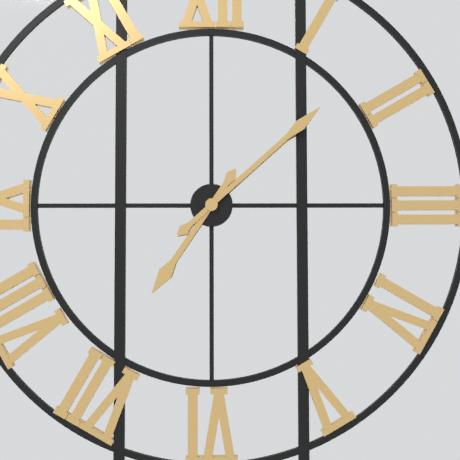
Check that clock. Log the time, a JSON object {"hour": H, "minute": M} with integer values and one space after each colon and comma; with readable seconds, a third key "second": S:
{"hour": 7, "minute": 8}
